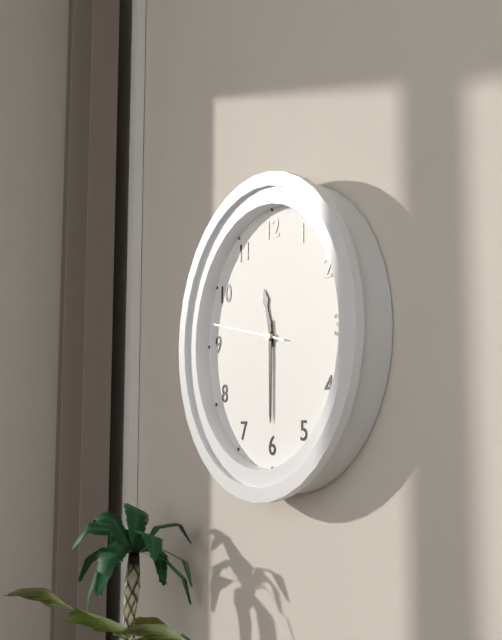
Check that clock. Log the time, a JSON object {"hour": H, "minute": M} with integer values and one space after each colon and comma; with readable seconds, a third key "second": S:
{"hour": 11, "minute": 30, "second": 47}
